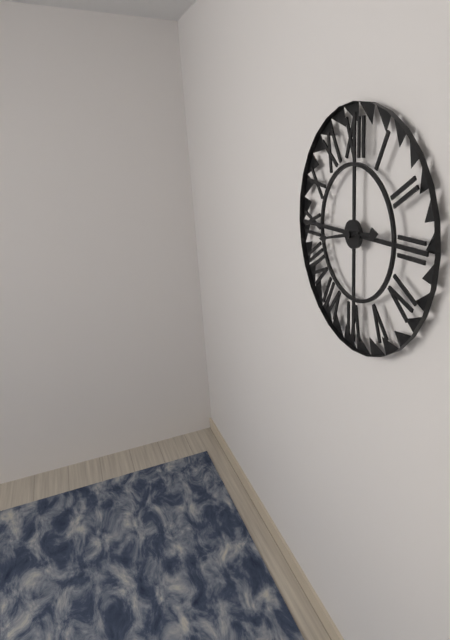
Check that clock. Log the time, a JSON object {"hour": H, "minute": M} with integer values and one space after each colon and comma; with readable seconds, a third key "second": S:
{"hour": 2, "minute": 43}
